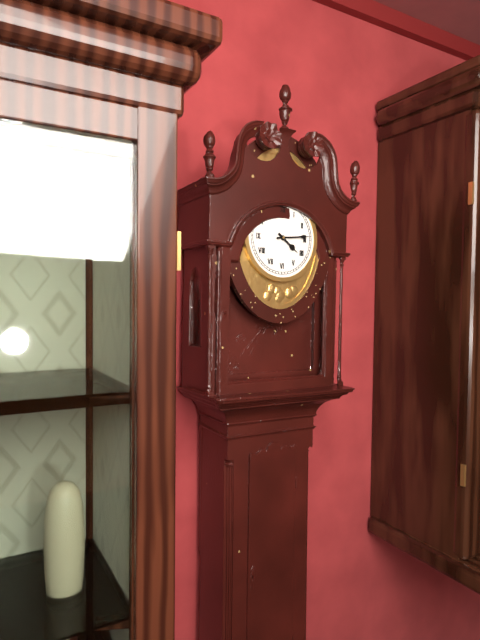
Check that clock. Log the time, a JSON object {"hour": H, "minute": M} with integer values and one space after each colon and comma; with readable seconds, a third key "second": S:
{"hour": 4, "minute": 14}
